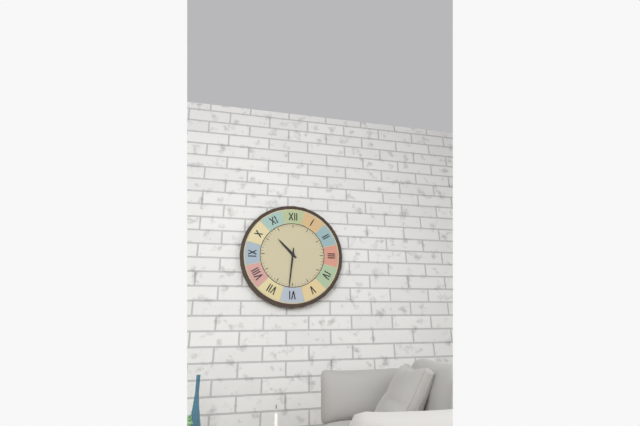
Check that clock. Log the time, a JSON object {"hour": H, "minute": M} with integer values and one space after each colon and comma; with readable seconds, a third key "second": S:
{"hour": 10, "minute": 31}
